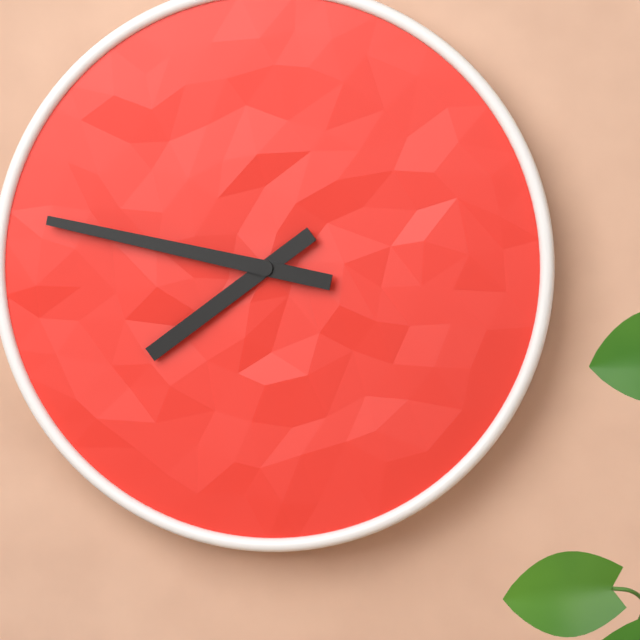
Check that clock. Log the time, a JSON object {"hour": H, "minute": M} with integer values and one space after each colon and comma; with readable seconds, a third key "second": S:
{"hour": 7, "minute": 47}
